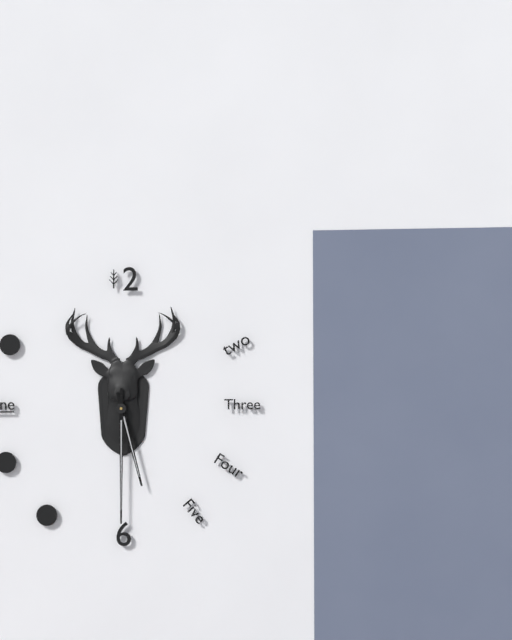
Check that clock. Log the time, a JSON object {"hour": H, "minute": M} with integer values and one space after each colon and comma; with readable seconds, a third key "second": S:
{"hour": 5, "minute": 30}
